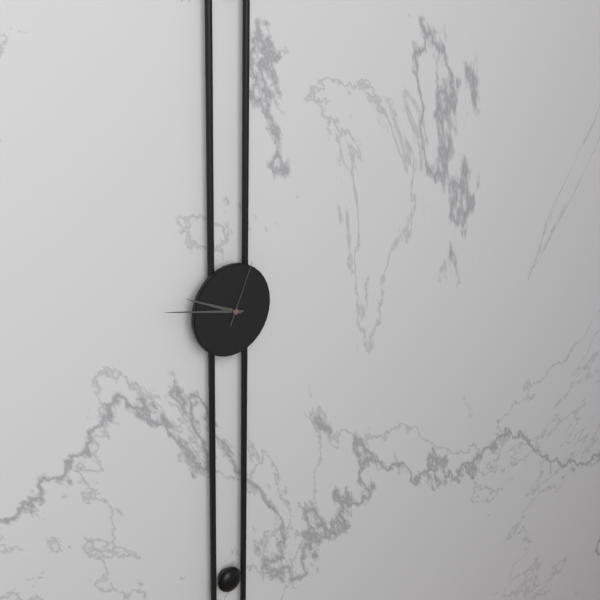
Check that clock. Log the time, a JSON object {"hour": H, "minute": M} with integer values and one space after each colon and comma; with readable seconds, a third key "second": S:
{"hour": 9, "minute": 47, "second": 4}
